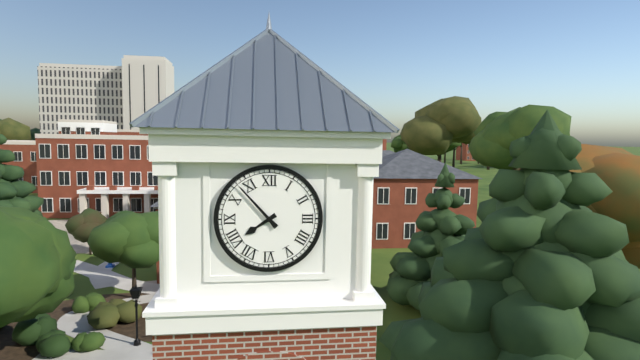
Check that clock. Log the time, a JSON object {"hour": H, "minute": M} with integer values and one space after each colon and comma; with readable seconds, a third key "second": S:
{"hour": 7, "minute": 53}
